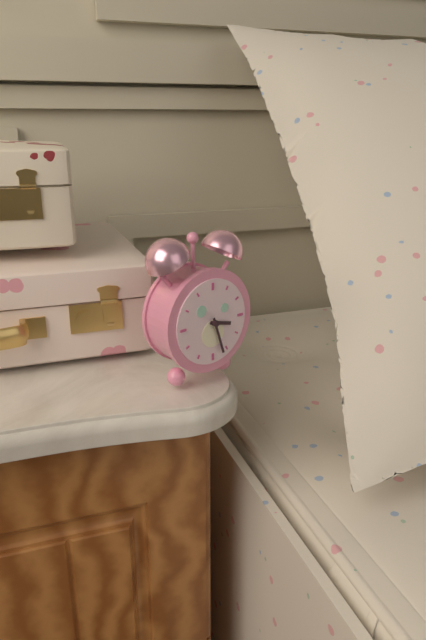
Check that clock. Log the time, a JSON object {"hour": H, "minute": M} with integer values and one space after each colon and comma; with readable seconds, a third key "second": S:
{"hour": 3, "minute": 27}
